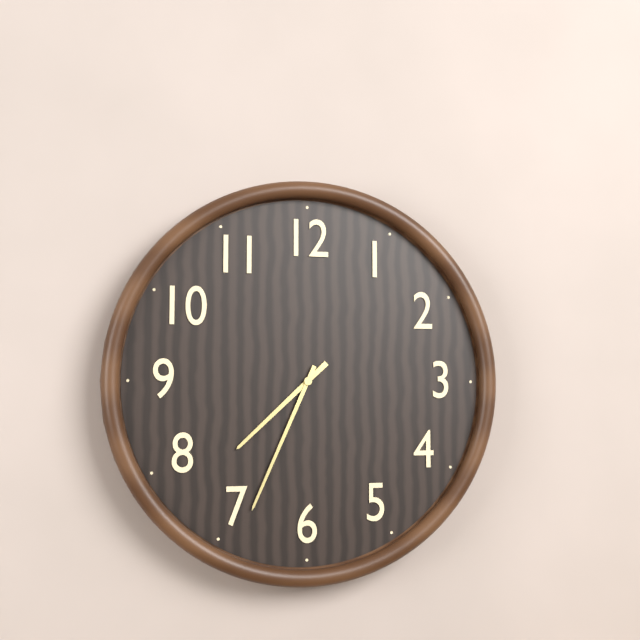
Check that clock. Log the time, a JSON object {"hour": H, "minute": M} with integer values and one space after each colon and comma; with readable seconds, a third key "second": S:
{"hour": 7, "minute": 34}
